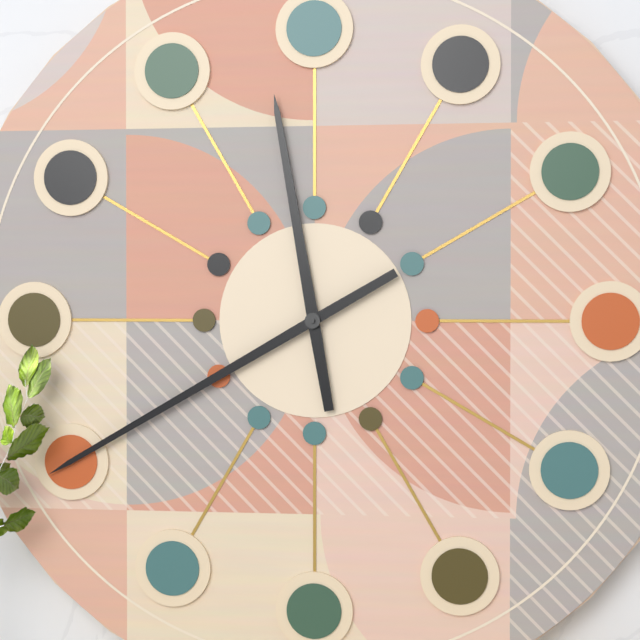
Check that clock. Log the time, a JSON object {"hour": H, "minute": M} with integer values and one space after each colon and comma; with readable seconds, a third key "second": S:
{"hour": 11, "minute": 40}
